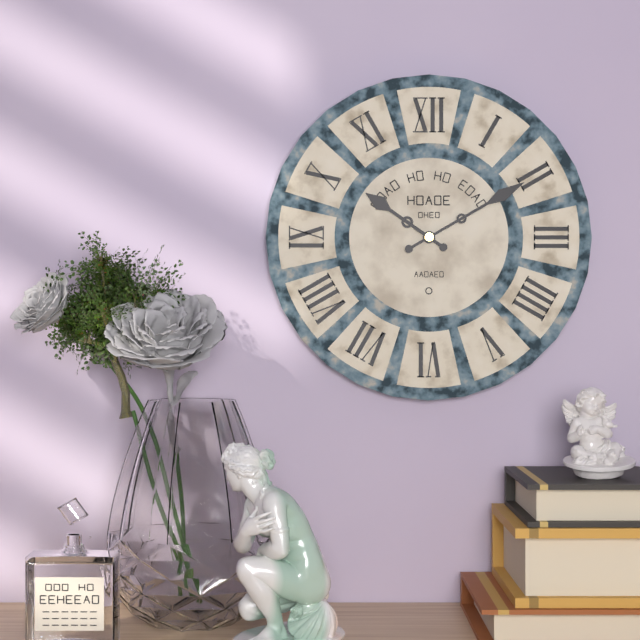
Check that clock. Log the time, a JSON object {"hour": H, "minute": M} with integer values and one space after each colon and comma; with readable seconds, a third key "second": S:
{"hour": 10, "minute": 10}
